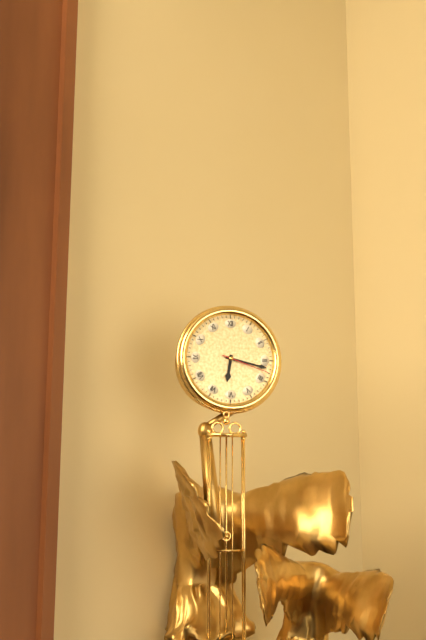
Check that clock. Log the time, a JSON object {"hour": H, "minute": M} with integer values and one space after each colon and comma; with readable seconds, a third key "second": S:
{"hour": 6, "minute": 17, "second": 18}
